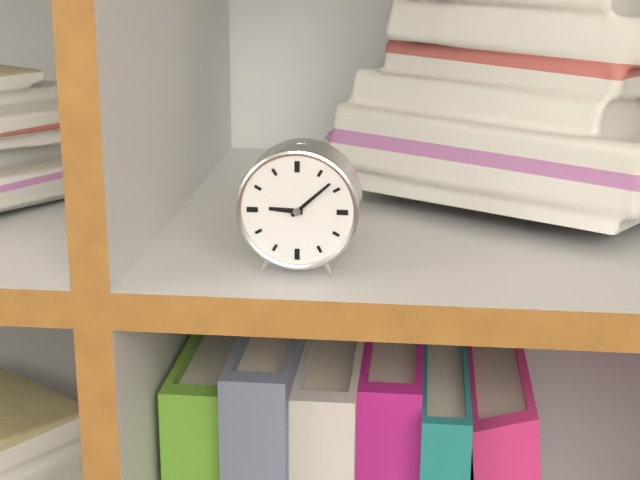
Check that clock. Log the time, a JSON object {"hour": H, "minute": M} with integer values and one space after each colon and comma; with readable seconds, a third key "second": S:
{"hour": 9, "minute": 8}
